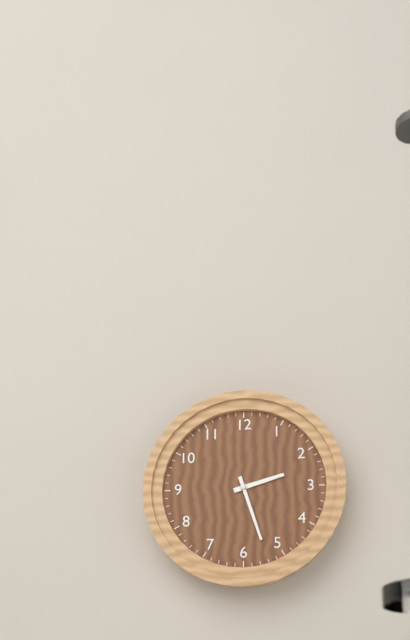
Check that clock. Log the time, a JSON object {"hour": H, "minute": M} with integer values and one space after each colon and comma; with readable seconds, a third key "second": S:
{"hour": 2, "minute": 27}
